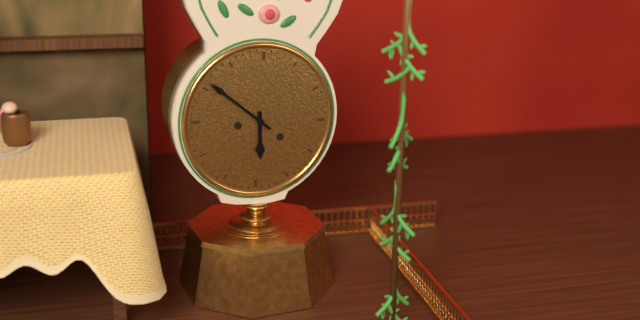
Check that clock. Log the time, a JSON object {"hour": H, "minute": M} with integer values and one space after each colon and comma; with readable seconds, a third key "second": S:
{"hour": 5, "minute": 51}
